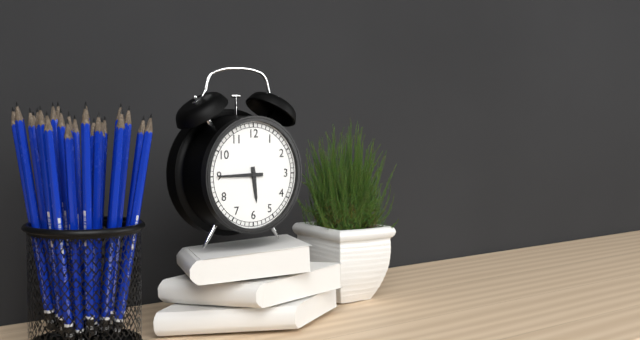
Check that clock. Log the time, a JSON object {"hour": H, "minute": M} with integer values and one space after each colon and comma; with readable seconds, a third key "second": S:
{"hour": 5, "minute": 45}
